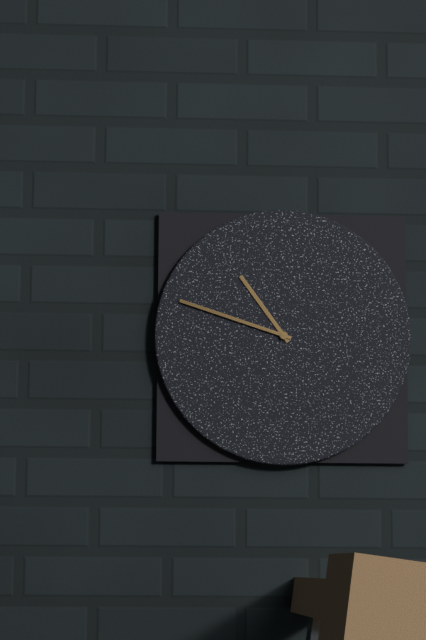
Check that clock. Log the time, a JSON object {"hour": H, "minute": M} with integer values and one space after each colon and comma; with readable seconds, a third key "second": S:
{"hour": 10, "minute": 48}
